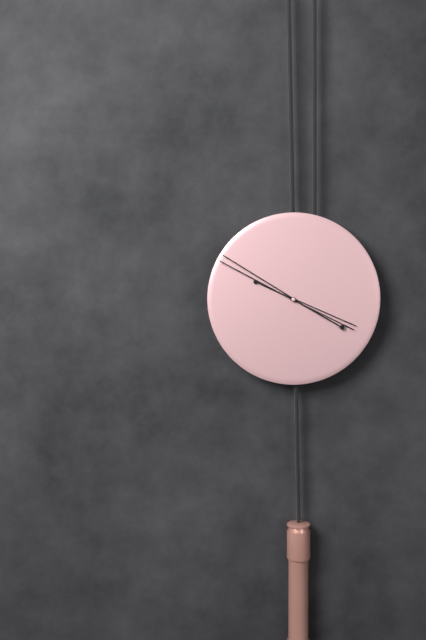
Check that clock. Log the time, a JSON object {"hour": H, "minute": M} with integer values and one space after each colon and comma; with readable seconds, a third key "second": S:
{"hour": 3, "minute": 50}
